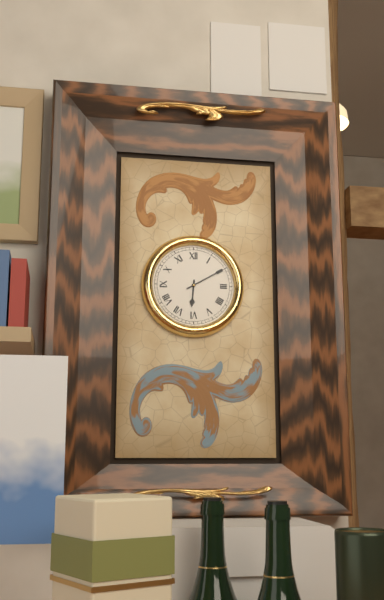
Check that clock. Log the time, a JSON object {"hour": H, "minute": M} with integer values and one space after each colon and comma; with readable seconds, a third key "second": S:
{"hour": 6, "minute": 10}
